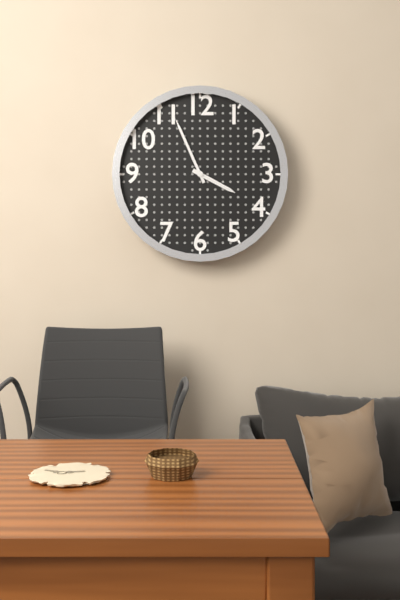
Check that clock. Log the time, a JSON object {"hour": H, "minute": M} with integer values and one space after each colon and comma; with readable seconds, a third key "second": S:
{"hour": 3, "minute": 56}
